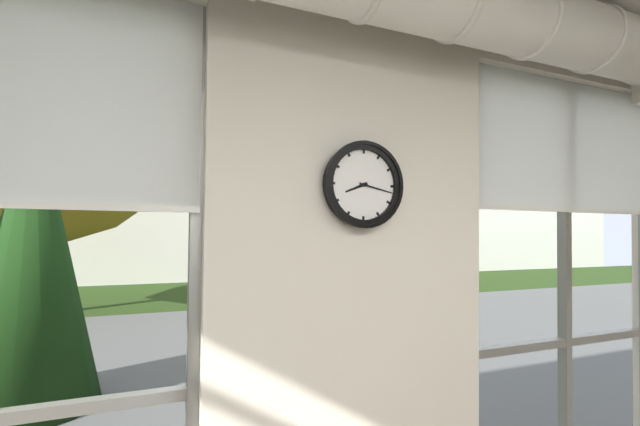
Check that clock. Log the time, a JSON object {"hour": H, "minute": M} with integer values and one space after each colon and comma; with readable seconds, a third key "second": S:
{"hour": 8, "minute": 17}
